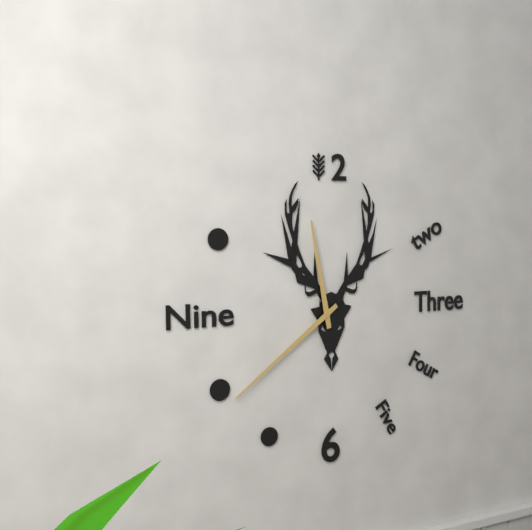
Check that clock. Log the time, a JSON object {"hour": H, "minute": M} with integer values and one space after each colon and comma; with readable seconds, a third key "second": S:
{"hour": 11, "minute": 39}
